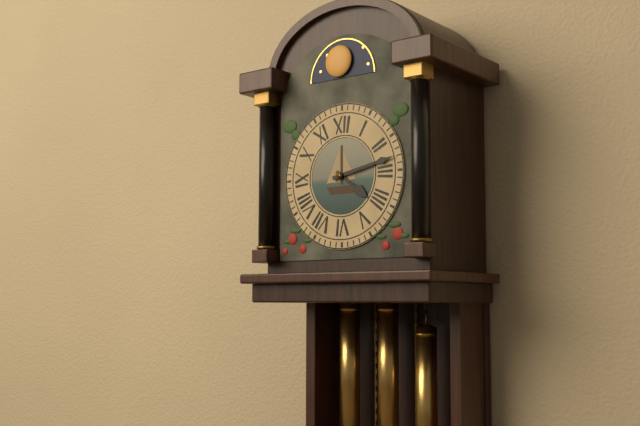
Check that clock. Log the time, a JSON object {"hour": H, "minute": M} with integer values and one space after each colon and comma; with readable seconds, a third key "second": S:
{"hour": 4, "minute": 13}
